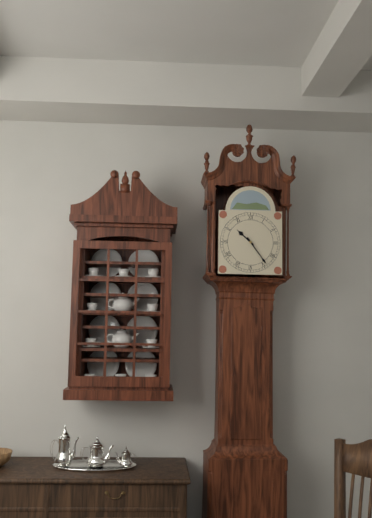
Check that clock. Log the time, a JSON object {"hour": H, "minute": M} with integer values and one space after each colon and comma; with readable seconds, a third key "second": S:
{"hour": 10, "minute": 24}
